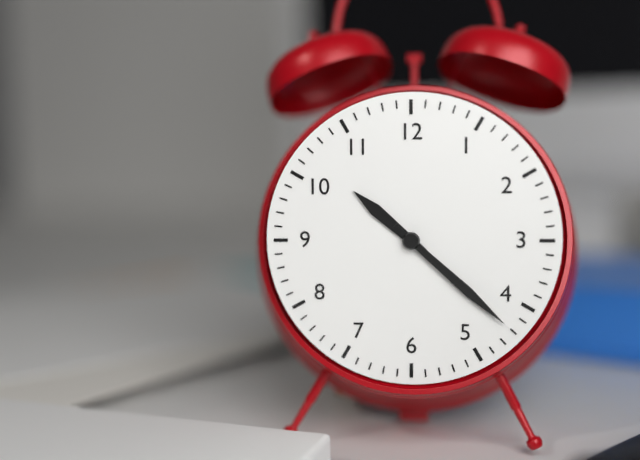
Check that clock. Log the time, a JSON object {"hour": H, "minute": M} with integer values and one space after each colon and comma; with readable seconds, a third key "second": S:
{"hour": 10, "minute": 22}
